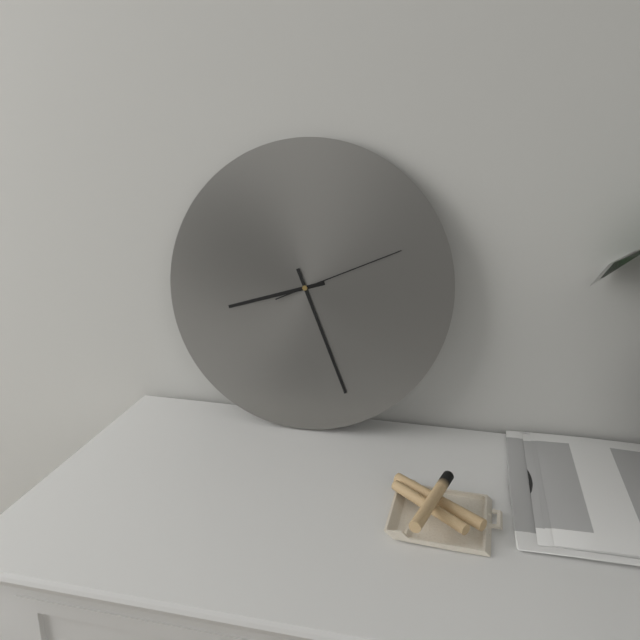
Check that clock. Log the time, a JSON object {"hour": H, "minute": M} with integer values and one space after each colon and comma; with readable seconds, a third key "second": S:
{"hour": 8, "minute": 26, "second": 11}
